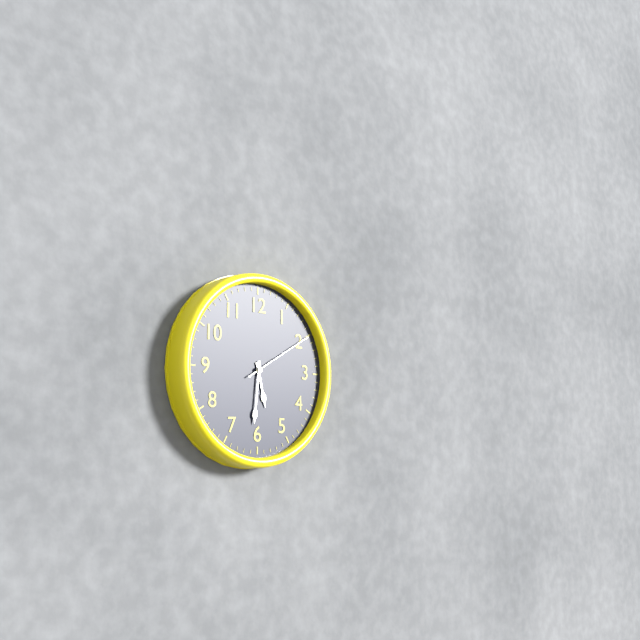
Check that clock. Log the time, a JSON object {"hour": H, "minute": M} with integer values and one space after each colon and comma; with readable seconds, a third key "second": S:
{"hour": 5, "minute": 31, "second": 10}
